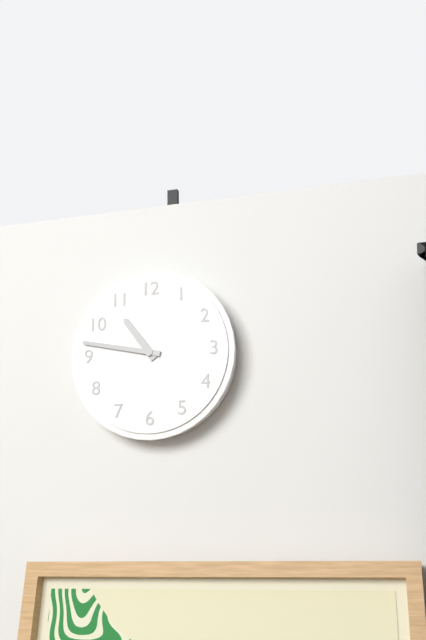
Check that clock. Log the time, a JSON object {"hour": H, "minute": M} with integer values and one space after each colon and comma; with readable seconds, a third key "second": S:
{"hour": 10, "minute": 47}
